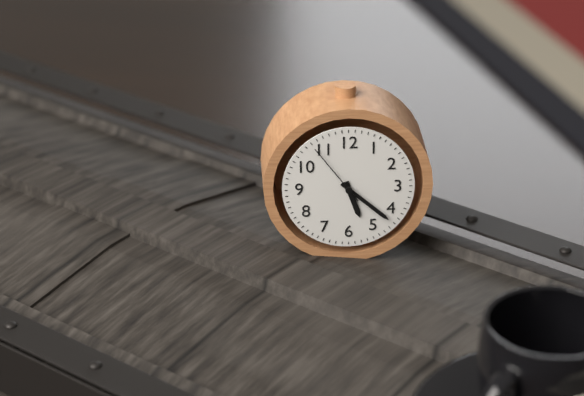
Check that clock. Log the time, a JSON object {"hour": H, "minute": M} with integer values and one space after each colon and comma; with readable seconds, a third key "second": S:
{"hour": 5, "minute": 22, "second": 54}
